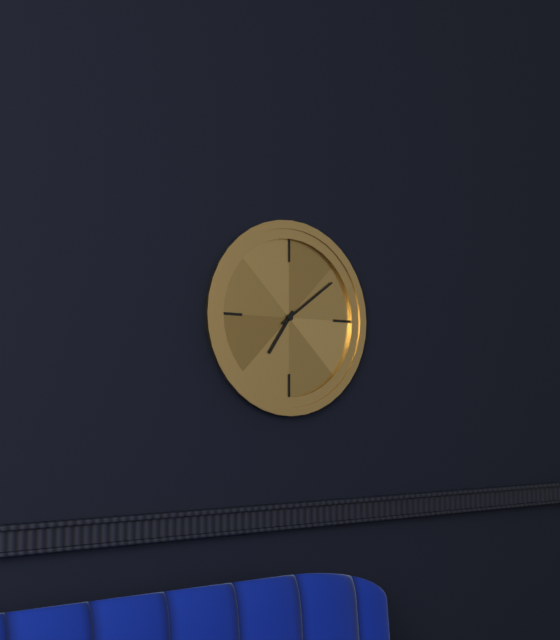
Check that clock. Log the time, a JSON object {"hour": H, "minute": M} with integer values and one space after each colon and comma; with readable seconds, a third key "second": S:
{"hour": 7, "minute": 9}
